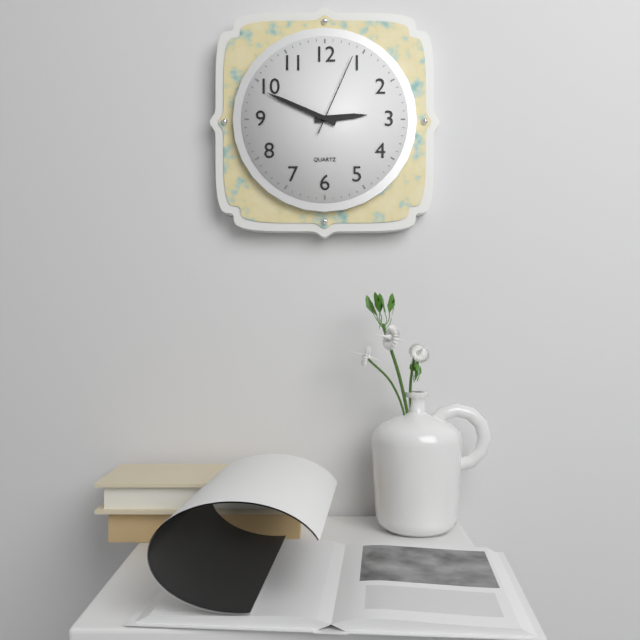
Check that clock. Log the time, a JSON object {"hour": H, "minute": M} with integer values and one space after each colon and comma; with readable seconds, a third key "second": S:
{"hour": 2, "minute": 49, "second": 4}
